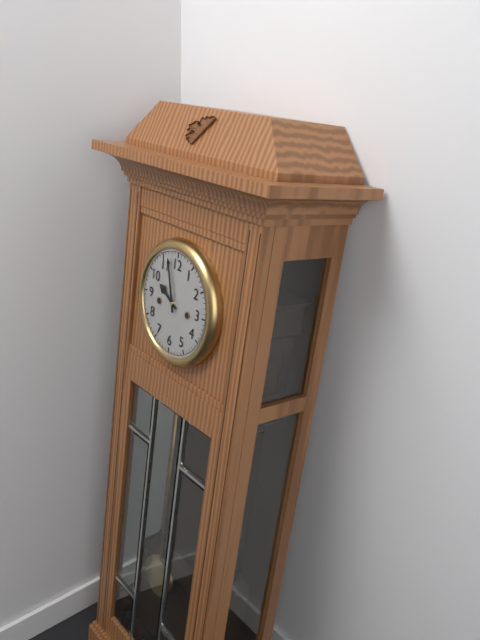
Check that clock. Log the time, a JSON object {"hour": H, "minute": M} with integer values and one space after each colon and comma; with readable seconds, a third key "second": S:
{"hour": 9, "minute": 57}
